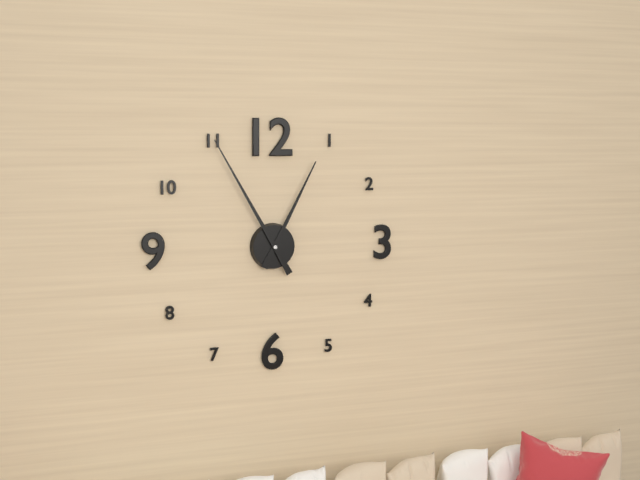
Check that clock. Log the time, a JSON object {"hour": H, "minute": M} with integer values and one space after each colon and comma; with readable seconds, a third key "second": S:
{"hour": 12, "minute": 55}
